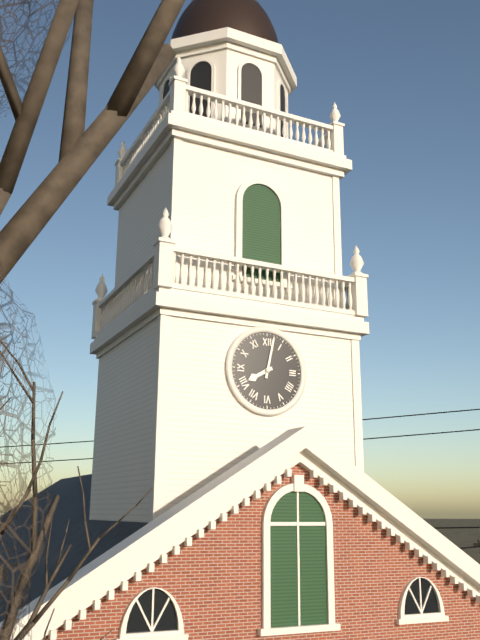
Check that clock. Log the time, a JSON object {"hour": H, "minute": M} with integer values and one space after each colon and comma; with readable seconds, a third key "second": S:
{"hour": 8, "minute": 2}
